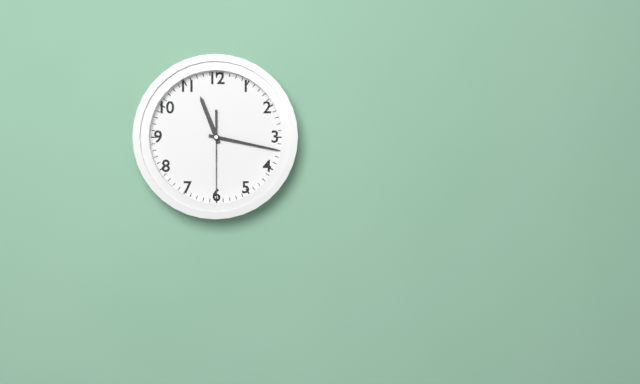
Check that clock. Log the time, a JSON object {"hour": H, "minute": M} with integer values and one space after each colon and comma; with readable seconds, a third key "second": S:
{"hour": 11, "minute": 17, "second": 30}
